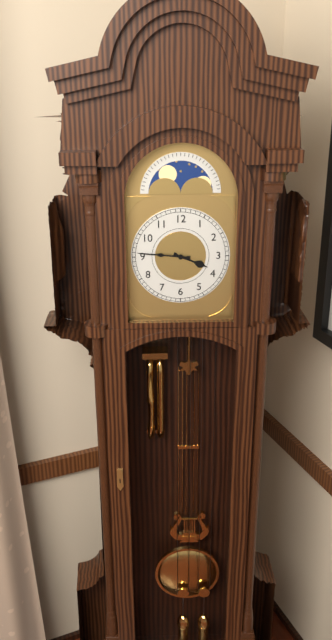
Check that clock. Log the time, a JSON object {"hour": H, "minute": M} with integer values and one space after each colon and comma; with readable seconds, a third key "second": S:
{"hour": 3, "minute": 46}
